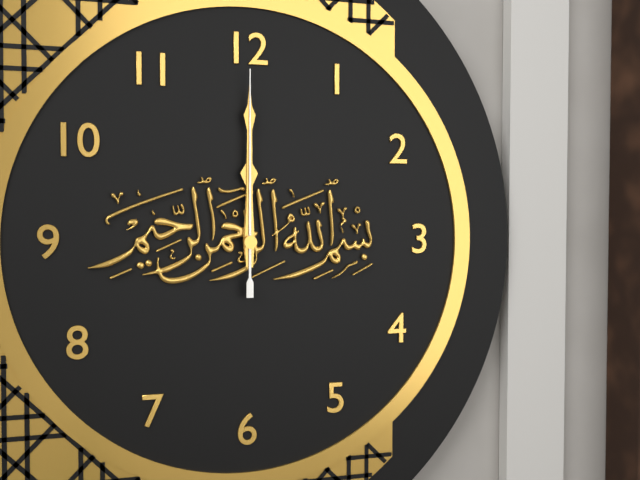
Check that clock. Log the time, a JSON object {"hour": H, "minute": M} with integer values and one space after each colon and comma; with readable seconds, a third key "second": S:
{"hour": 12, "minute": 0, "second": 0}
